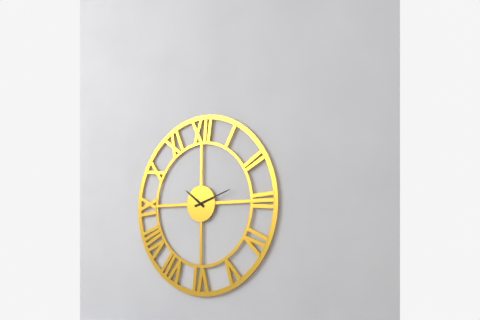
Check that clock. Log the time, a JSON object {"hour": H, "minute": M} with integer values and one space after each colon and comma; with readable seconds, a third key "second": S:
{"hour": 10, "minute": 12}
